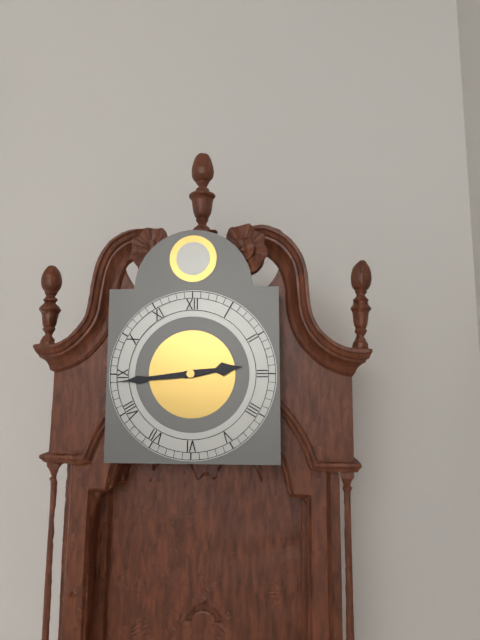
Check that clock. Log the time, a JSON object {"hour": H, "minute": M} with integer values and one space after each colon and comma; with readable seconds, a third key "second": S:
{"hour": 2, "minute": 44}
